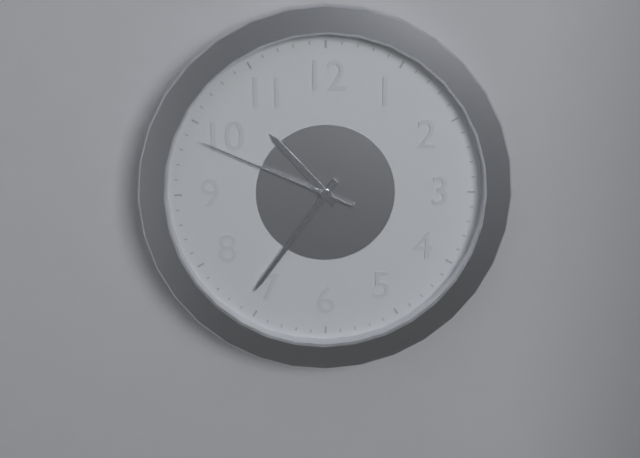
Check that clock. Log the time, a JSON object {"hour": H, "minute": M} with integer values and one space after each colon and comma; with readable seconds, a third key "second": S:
{"hour": 10, "minute": 36, "second": 49}
